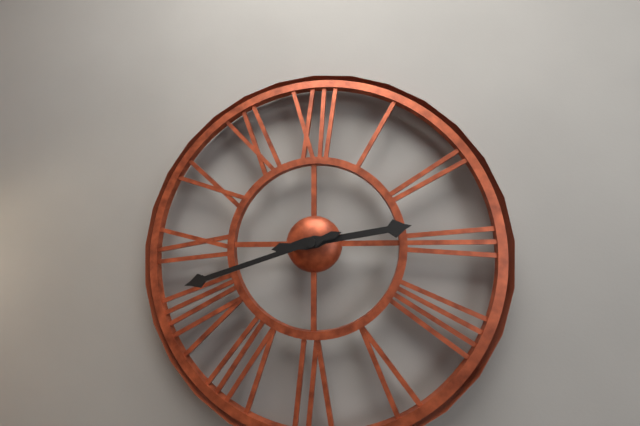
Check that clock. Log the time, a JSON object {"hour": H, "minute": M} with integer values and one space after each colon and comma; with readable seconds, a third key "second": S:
{"hour": 2, "minute": 42}
